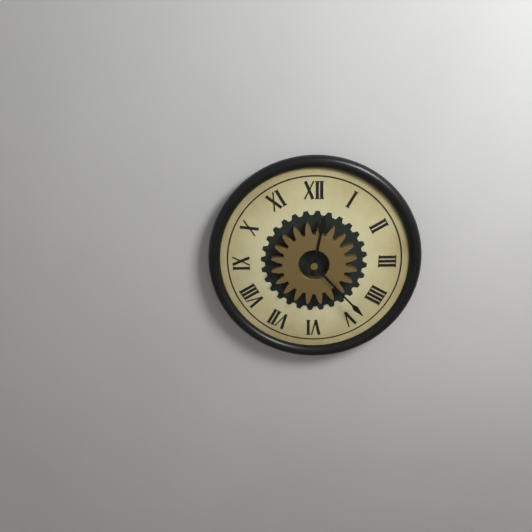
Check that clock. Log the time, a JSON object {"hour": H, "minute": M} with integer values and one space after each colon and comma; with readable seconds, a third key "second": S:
{"hour": 12, "minute": 23}
